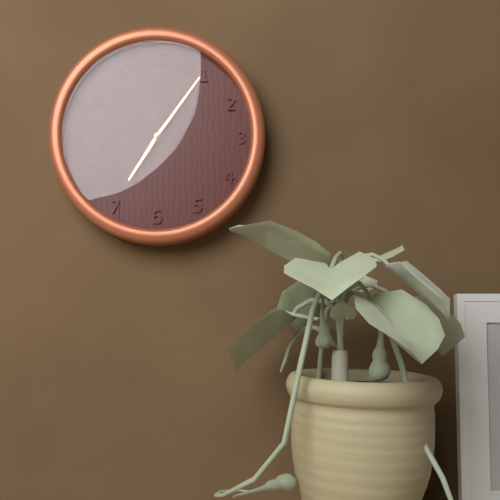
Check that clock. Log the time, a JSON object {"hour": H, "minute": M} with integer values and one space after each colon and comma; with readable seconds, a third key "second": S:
{"hour": 7, "minute": 6}
